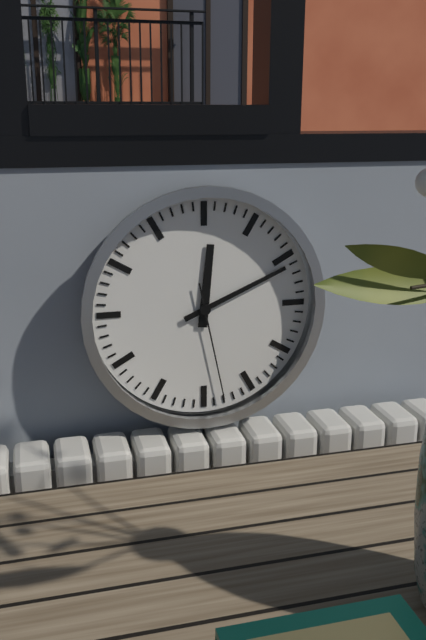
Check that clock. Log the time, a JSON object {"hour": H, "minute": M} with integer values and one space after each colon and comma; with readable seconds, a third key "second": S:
{"hour": 12, "minute": 11, "second": 28}
